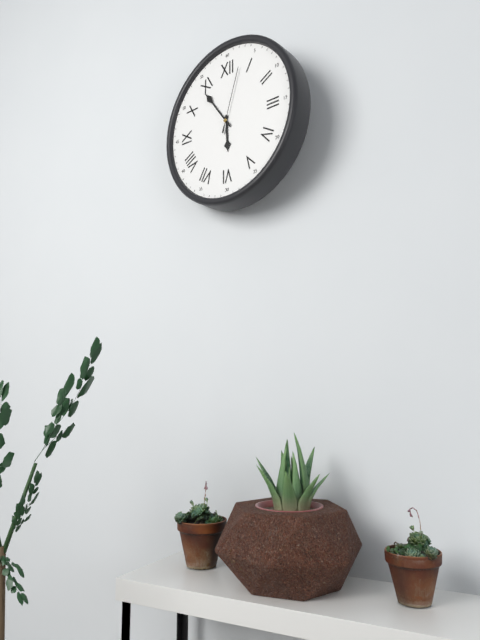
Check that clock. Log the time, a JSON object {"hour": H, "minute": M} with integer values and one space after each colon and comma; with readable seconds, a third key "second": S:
{"hour": 5, "minute": 54, "second": 3}
